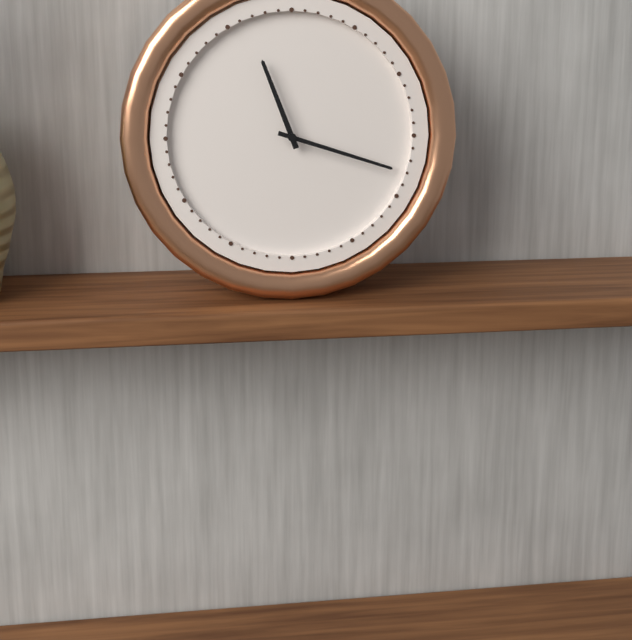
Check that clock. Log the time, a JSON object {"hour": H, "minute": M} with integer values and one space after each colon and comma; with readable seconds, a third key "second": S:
{"hour": 11, "minute": 18}
